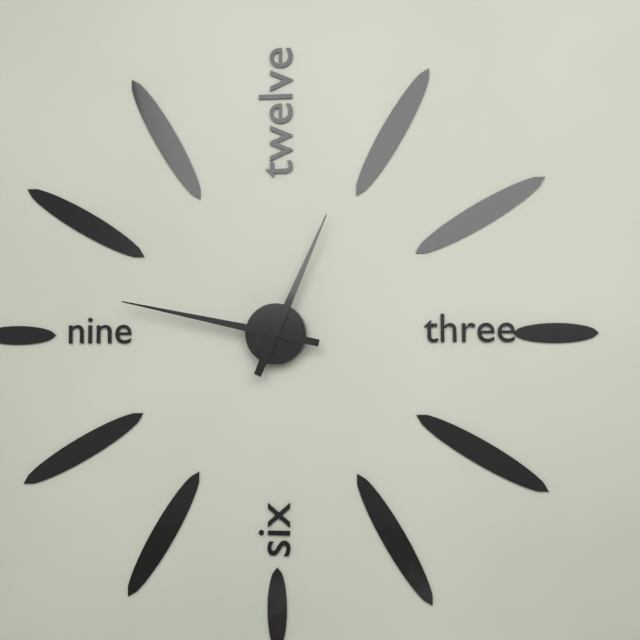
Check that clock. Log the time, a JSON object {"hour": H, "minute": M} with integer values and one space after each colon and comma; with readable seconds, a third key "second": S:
{"hour": 12, "minute": 47}
